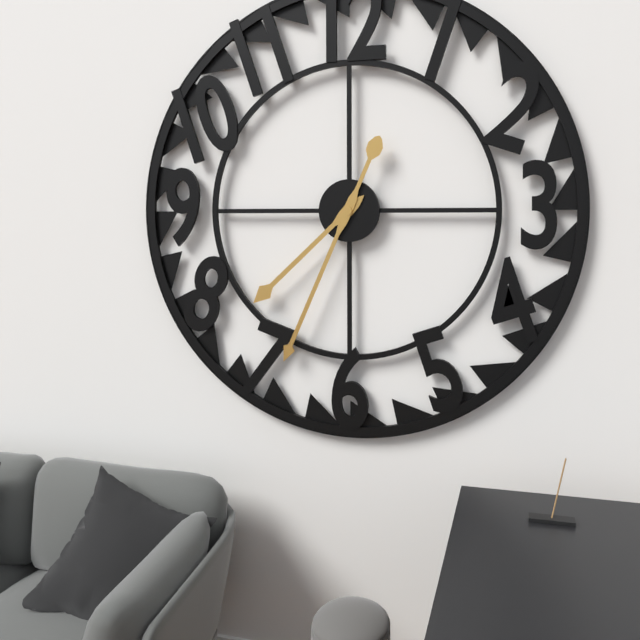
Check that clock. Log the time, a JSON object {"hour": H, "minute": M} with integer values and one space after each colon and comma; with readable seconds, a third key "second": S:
{"hour": 7, "minute": 34}
